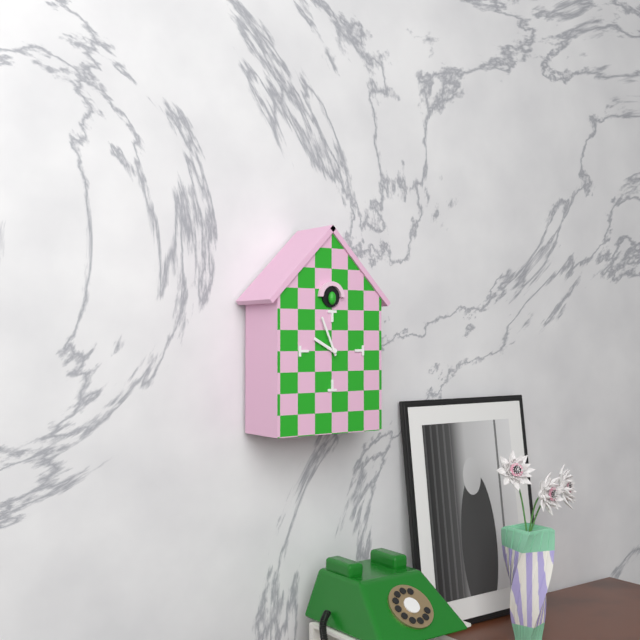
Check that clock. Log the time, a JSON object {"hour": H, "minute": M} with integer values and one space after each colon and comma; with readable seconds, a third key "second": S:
{"hour": 9, "minute": 56}
